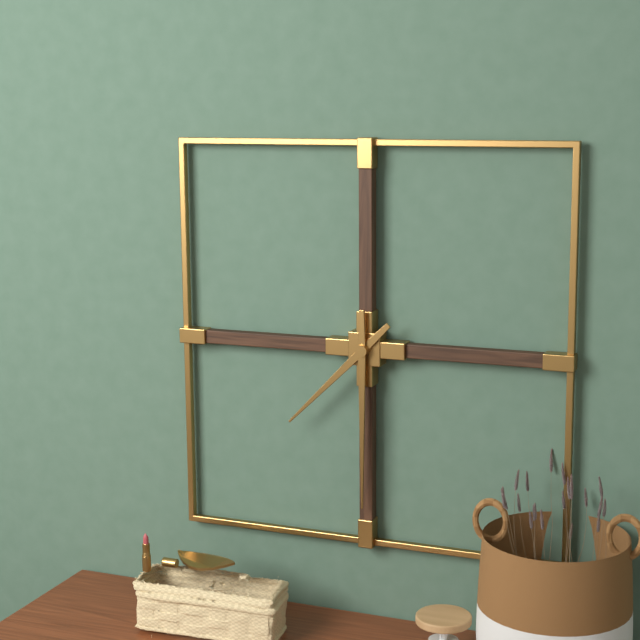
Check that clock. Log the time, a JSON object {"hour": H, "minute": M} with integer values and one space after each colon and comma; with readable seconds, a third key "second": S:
{"hour": 7, "minute": 30}
